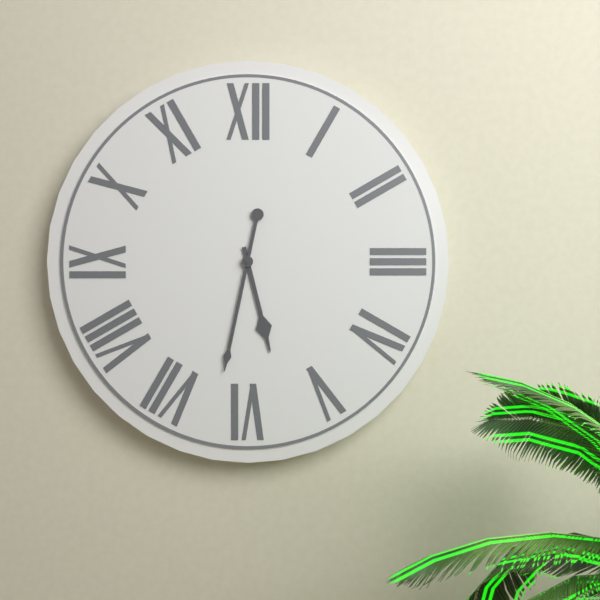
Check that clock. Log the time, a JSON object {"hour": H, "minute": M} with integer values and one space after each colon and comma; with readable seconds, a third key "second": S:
{"hour": 5, "minute": 32}
